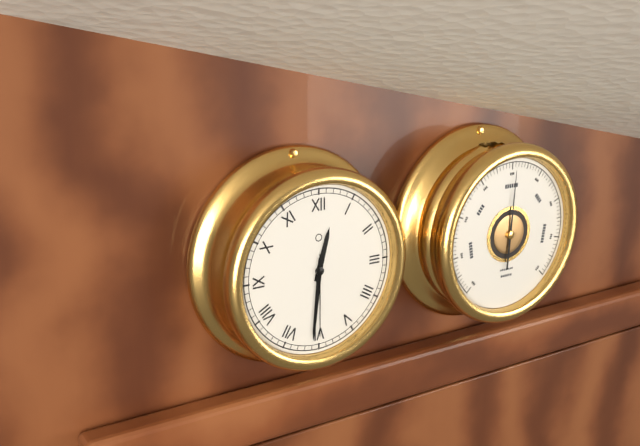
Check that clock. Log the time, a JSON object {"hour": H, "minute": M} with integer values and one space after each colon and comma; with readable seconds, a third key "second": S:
{"hour": 12, "minute": 31, "second": 30}
